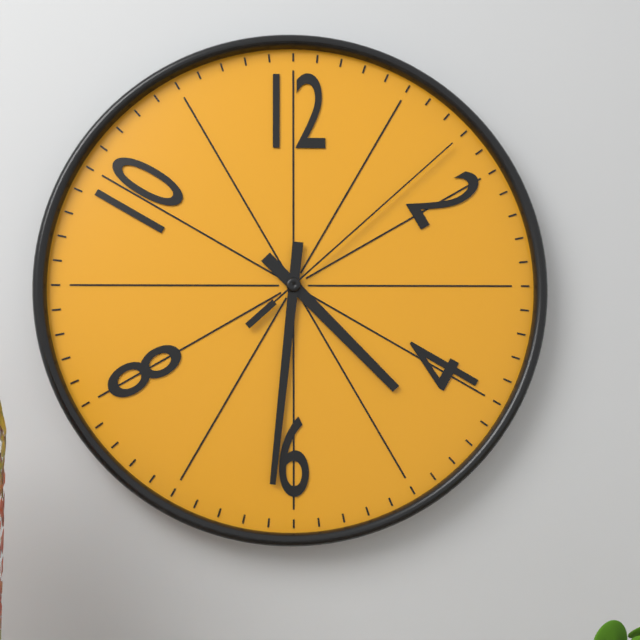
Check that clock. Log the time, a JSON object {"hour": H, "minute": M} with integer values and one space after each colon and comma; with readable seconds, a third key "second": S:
{"hour": 4, "minute": 31, "second": 8}
